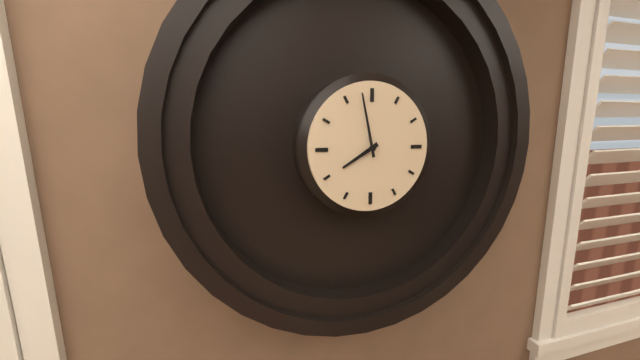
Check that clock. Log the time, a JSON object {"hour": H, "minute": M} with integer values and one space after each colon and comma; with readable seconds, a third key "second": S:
{"hour": 7, "minute": 58}
